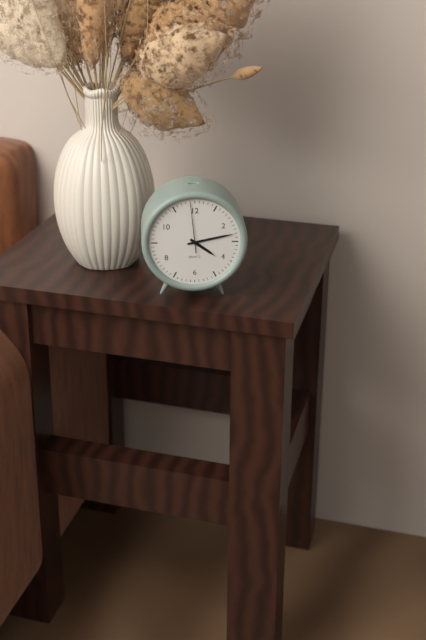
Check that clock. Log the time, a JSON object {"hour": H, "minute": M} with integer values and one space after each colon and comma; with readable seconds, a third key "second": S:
{"hour": 4, "minute": 13}
